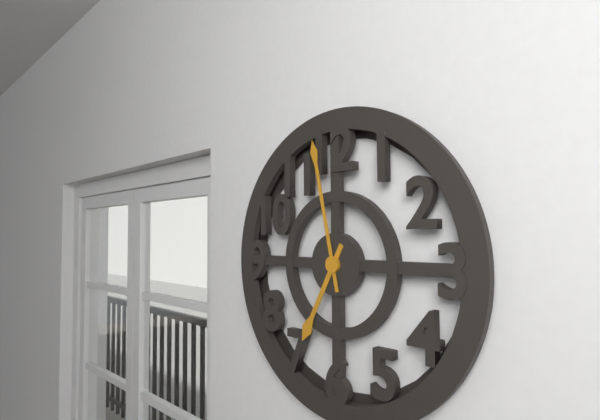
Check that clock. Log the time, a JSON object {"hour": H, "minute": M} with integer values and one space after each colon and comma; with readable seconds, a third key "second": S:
{"hour": 6, "minute": 58}
